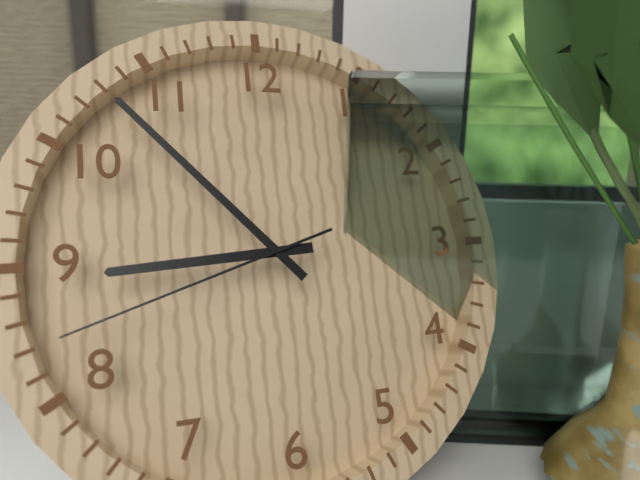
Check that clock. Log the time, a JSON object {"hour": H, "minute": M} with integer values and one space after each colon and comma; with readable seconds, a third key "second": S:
{"hour": 8, "minute": 53, "second": 42}
